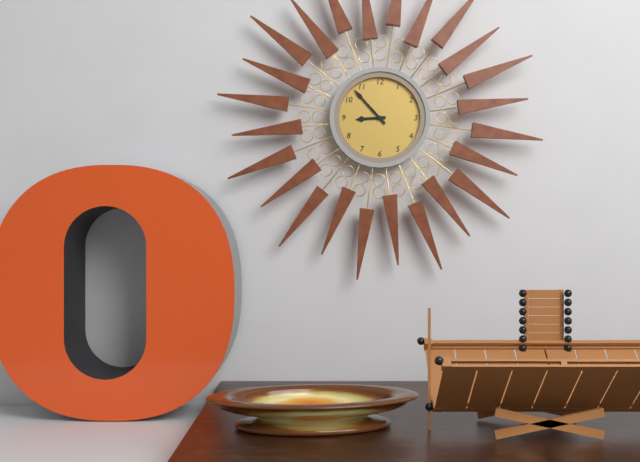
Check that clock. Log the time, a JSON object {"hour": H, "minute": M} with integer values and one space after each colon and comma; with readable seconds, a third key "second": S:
{"hour": 8, "minute": 53}
